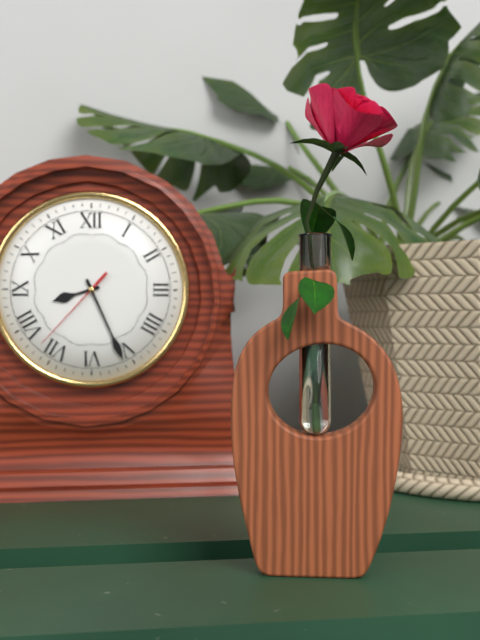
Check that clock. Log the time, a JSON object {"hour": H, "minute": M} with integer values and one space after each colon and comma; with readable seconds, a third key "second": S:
{"hour": 8, "minute": 26, "second": 37}
